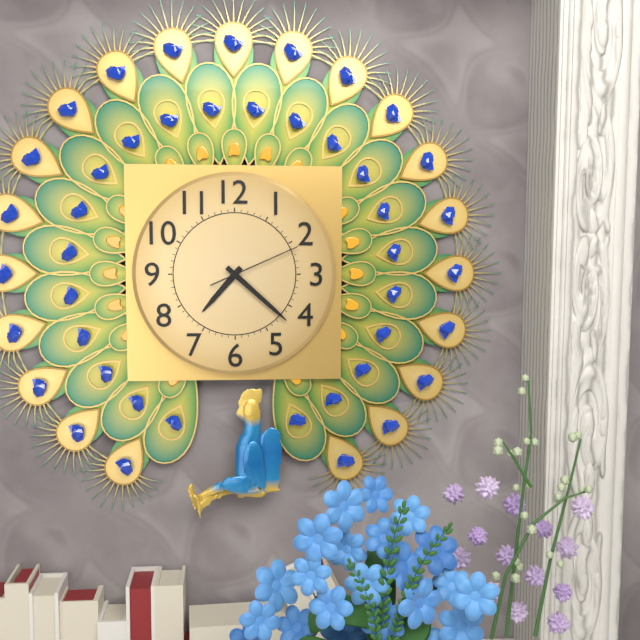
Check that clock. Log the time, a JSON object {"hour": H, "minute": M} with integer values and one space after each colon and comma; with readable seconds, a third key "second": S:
{"hour": 7, "minute": 22, "second": 11}
